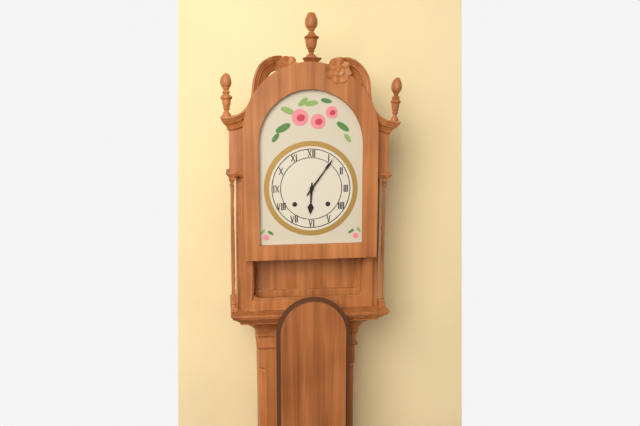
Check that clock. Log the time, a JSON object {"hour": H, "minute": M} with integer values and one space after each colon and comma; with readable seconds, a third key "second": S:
{"hour": 6, "minute": 6}
